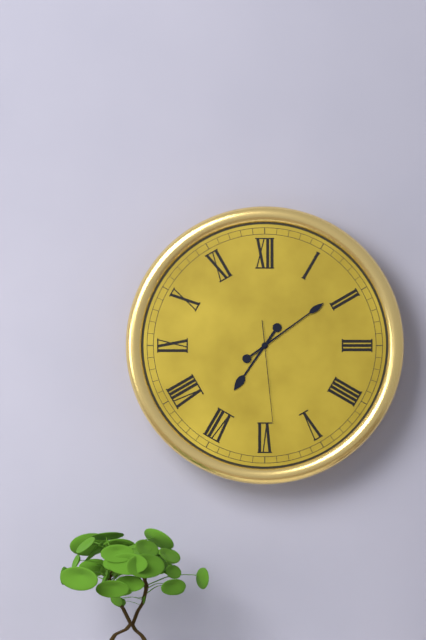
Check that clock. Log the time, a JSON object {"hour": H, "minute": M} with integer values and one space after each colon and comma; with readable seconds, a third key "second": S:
{"hour": 7, "minute": 9, "second": 29}
